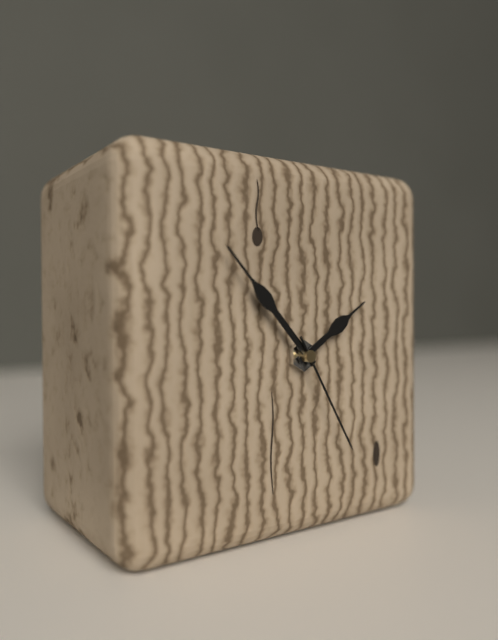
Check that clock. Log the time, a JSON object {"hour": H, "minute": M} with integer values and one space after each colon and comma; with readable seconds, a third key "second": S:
{"hour": 1, "minute": 53, "second": 25}
